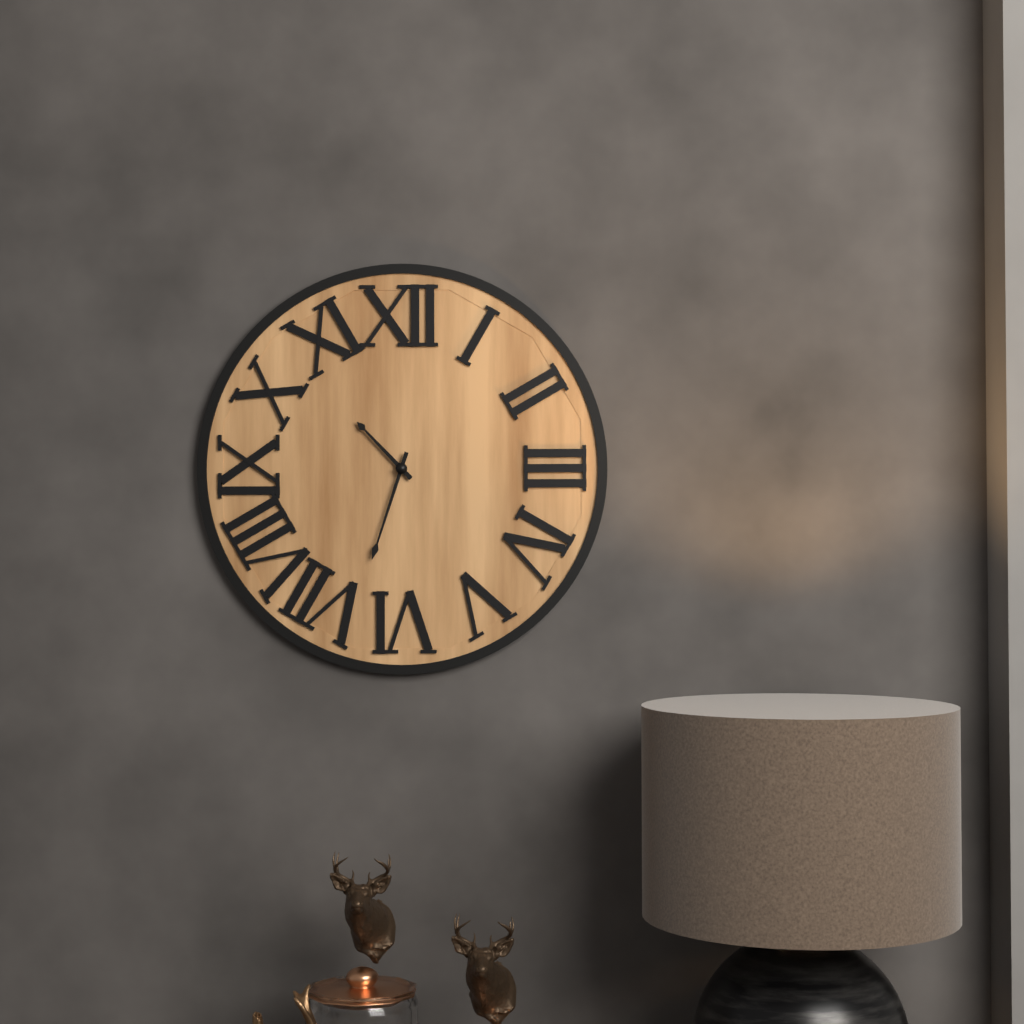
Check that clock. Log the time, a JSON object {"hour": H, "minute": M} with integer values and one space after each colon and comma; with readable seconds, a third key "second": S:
{"hour": 10, "minute": 33}
